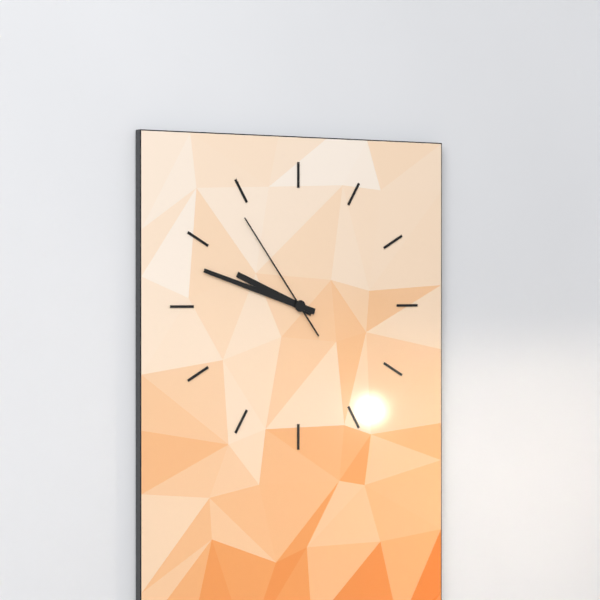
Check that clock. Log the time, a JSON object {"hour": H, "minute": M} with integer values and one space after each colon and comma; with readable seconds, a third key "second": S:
{"hour": 9, "minute": 48, "second": 54}
